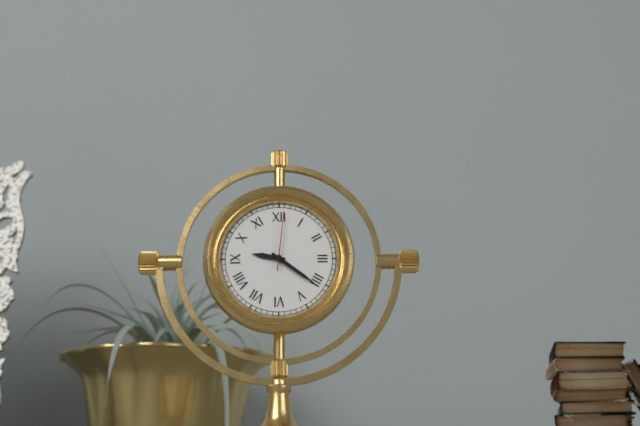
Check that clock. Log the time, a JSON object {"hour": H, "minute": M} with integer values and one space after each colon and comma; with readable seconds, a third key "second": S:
{"hour": 9, "minute": 21, "second": 1}
